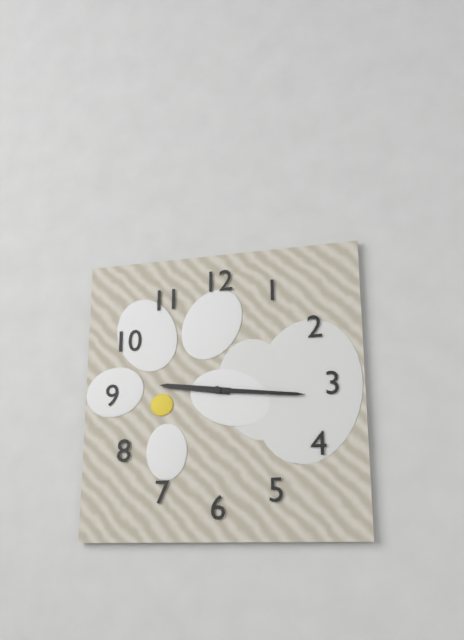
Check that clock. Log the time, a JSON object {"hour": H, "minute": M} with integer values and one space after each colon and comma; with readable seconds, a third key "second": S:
{"hour": 9, "minute": 16}
